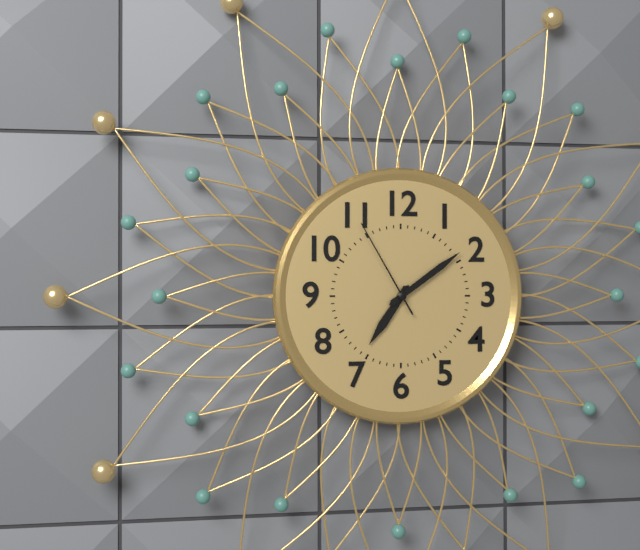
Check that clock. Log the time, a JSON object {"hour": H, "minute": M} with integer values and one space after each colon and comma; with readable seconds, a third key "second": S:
{"hour": 7, "minute": 9, "second": 55}
